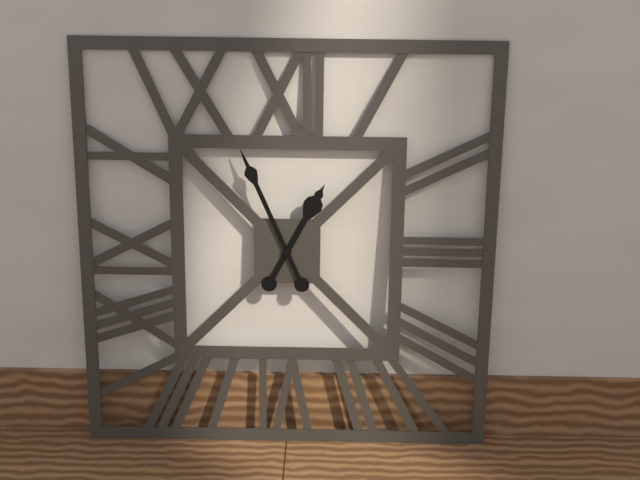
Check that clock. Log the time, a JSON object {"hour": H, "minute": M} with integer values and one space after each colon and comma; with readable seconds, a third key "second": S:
{"hour": 12, "minute": 56}
